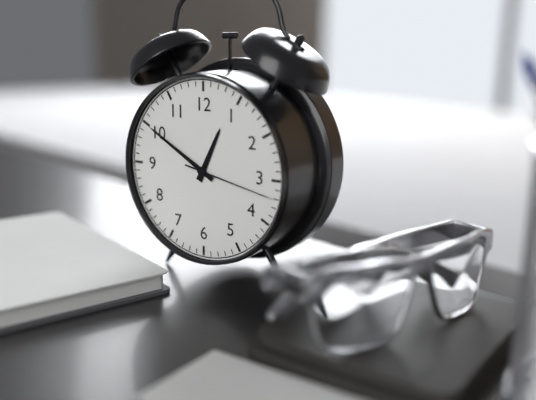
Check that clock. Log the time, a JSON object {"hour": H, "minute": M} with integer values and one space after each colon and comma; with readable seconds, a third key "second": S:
{"hour": 12, "minute": 50, "second": 17}
